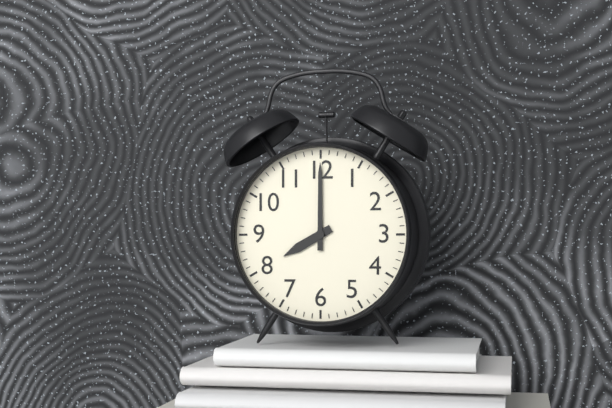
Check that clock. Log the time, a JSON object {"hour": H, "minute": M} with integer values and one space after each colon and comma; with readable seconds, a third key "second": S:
{"hour": 8, "minute": 0}
